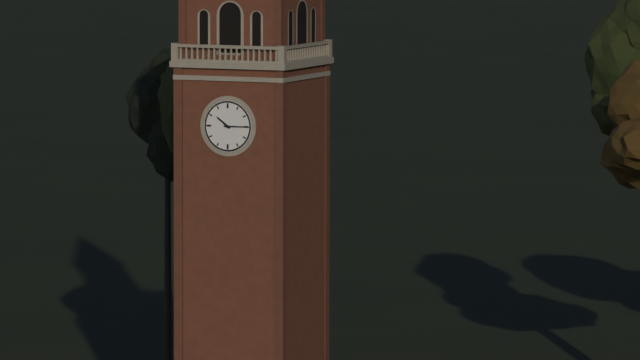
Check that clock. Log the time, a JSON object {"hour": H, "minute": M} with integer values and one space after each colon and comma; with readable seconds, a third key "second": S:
{"hour": 10, "minute": 15}
